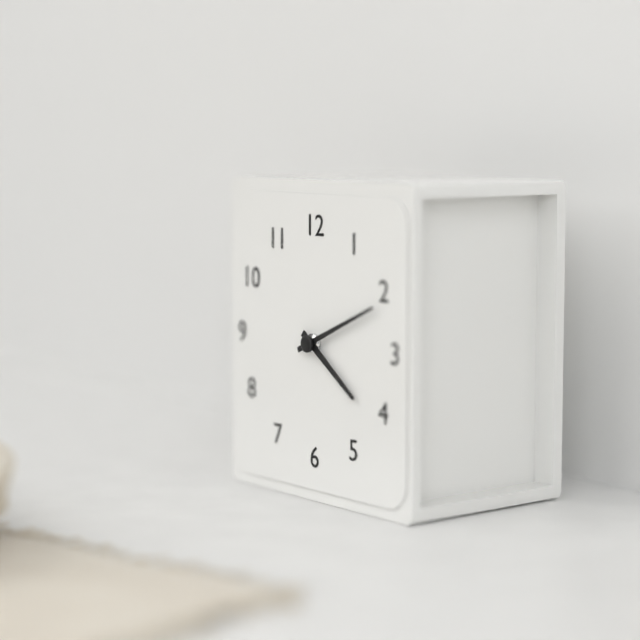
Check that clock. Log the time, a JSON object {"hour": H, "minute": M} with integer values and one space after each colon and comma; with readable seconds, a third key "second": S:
{"hour": 4, "minute": 11}
